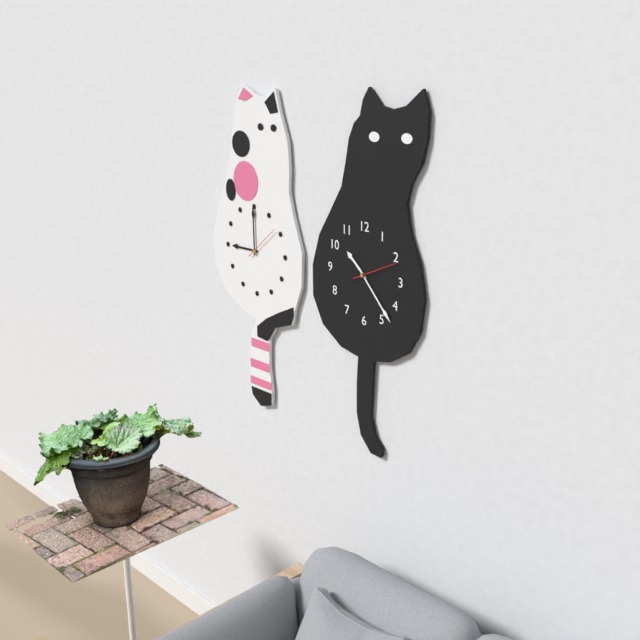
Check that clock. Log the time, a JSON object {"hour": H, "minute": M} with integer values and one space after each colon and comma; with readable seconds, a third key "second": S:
{"hour": 10, "minute": 23}
